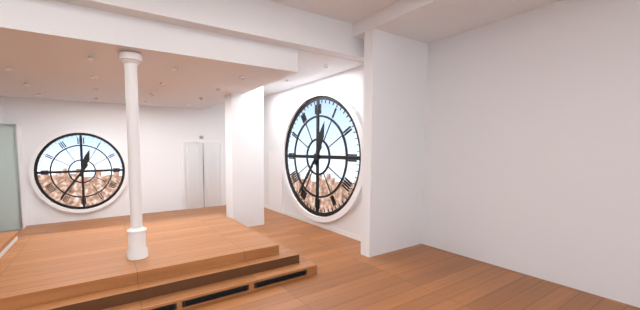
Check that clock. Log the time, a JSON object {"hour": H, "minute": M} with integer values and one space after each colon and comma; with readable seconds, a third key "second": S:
{"hour": 12, "minute": 36}
